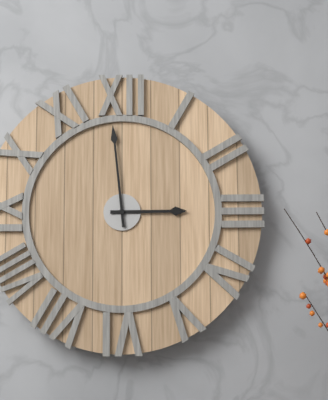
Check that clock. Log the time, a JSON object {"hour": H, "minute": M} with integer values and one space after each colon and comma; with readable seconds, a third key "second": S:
{"hour": 2, "minute": 59}
